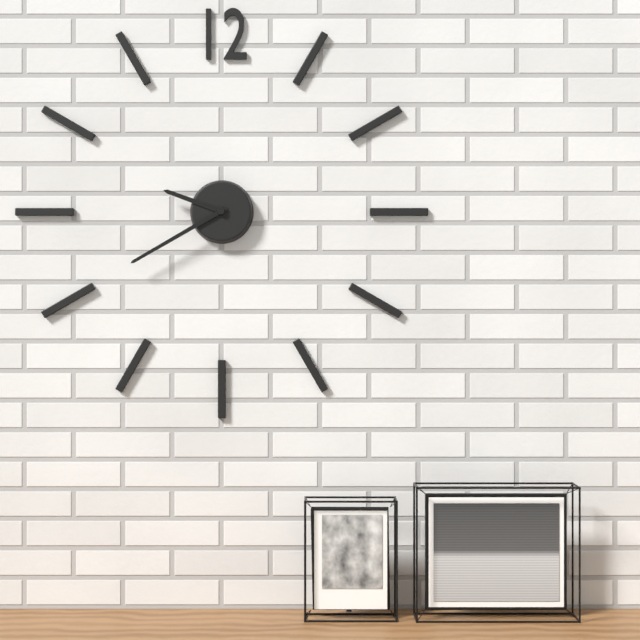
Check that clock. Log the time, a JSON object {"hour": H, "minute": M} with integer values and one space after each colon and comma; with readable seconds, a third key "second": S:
{"hour": 9, "minute": 40}
